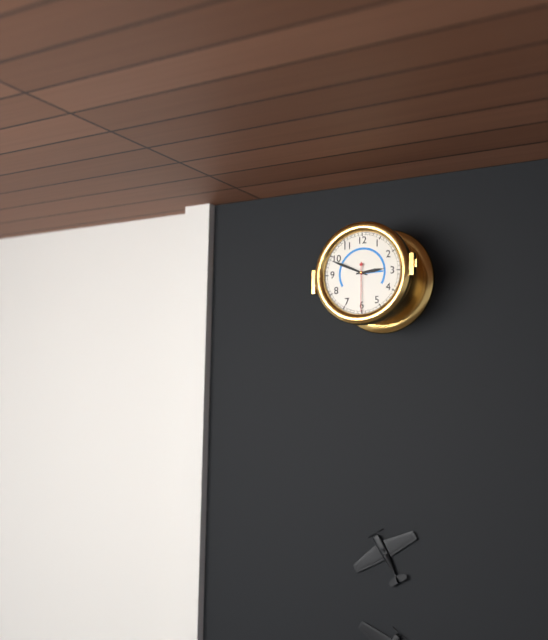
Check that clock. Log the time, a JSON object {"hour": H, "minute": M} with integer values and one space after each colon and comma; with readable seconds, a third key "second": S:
{"hour": 2, "minute": 49}
